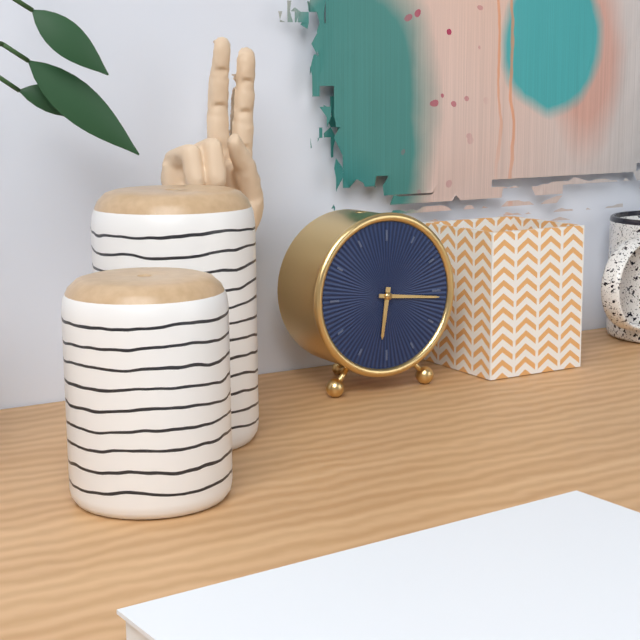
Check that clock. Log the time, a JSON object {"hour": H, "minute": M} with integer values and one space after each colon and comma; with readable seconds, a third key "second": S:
{"hour": 6, "minute": 16}
